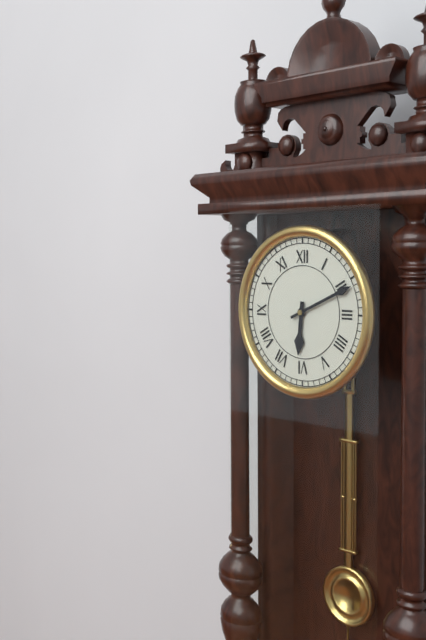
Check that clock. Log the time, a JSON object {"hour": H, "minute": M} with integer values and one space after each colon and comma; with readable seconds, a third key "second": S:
{"hour": 6, "minute": 11}
